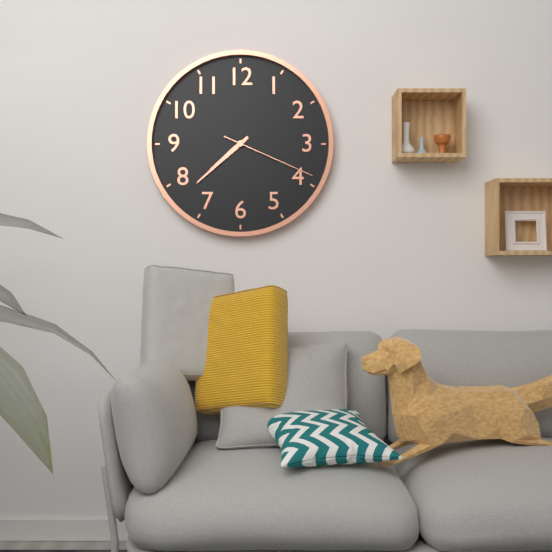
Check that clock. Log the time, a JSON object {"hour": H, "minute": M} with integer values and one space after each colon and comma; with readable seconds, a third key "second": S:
{"hour": 7, "minute": 38, "second": 19}
